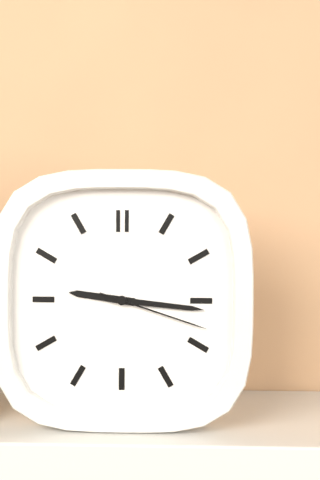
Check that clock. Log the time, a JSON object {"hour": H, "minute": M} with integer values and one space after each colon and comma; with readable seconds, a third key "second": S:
{"hour": 9, "minute": 16, "second": 18}
